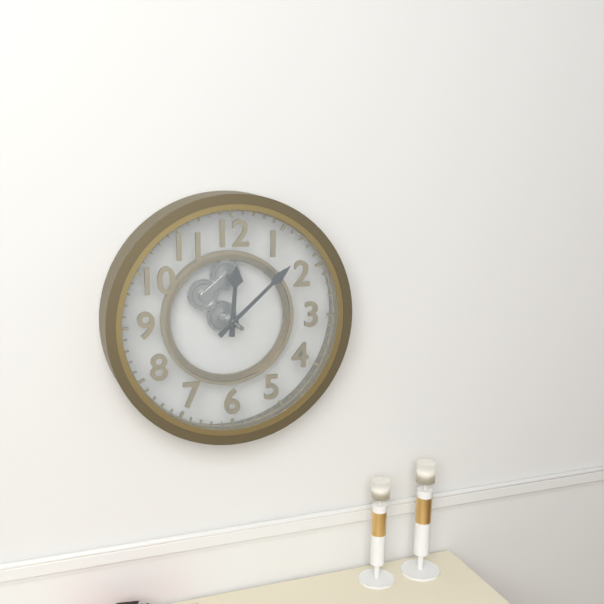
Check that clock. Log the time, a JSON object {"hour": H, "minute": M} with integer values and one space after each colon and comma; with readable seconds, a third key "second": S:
{"hour": 12, "minute": 8}
